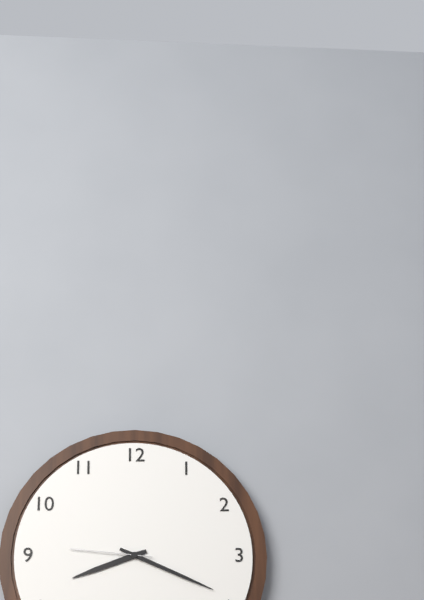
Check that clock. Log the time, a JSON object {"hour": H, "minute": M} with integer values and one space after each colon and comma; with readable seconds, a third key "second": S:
{"hour": 8, "minute": 19, "second": 46}
